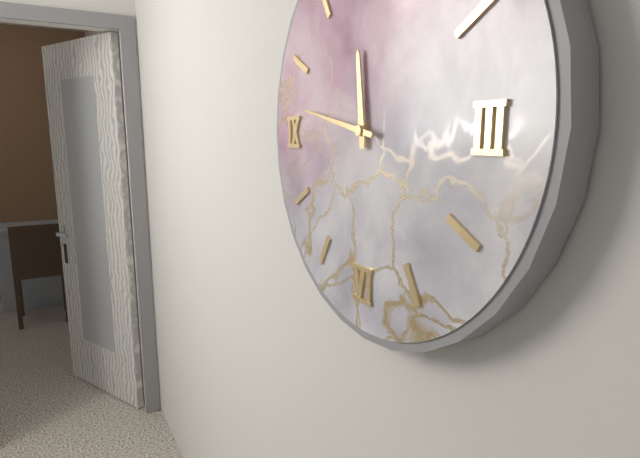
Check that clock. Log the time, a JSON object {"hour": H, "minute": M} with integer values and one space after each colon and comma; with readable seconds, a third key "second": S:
{"hour": 11, "minute": 47}
